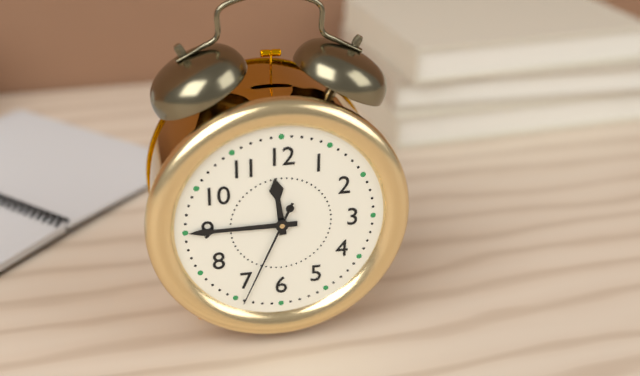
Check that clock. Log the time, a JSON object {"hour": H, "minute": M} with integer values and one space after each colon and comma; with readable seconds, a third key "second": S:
{"hour": 11, "minute": 45, "second": 34}
